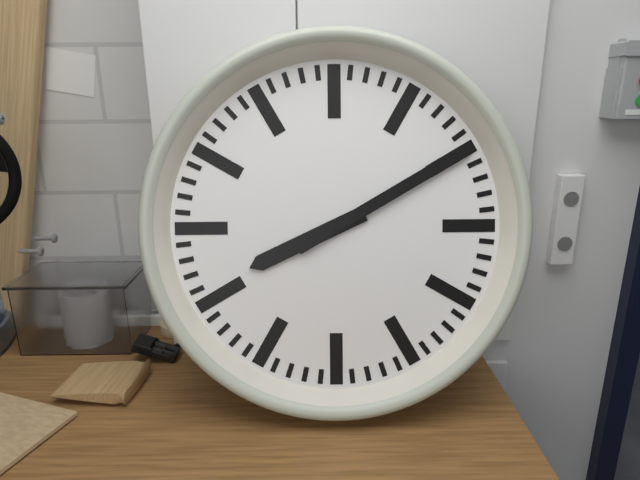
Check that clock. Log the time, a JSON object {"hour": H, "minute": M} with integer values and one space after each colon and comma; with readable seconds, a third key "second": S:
{"hour": 8, "minute": 10}
